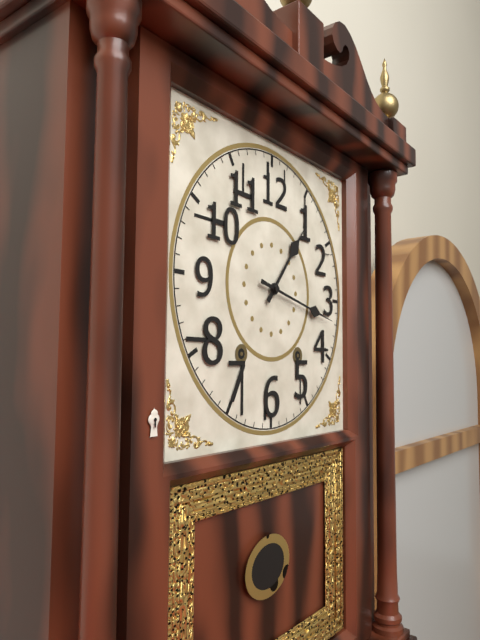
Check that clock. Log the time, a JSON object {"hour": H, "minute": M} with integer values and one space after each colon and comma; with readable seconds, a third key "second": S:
{"hour": 1, "minute": 17}
